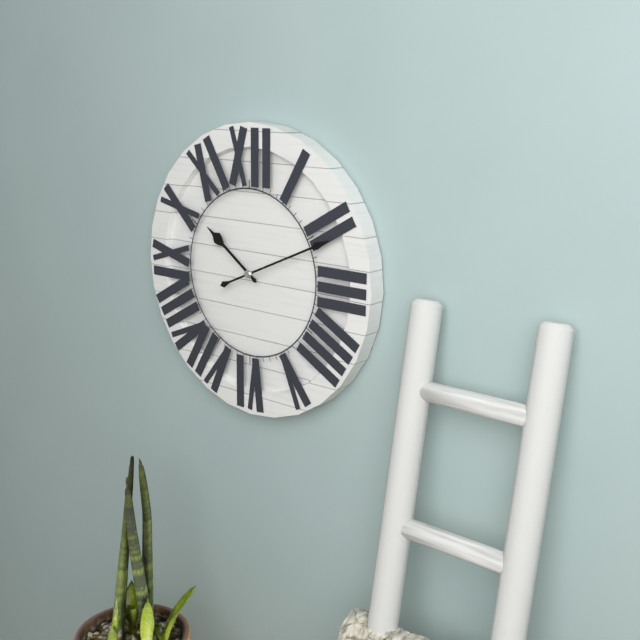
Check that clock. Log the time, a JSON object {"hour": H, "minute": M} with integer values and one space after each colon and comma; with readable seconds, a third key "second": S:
{"hour": 10, "minute": 11}
